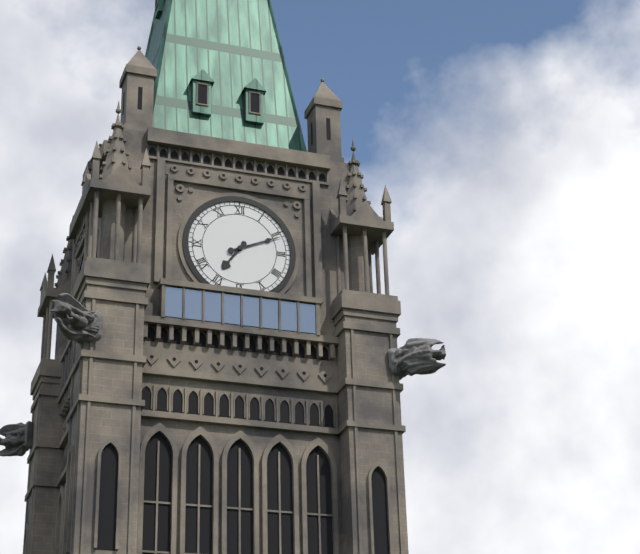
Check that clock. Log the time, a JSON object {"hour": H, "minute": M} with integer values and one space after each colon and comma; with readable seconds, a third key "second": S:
{"hour": 7, "minute": 11}
